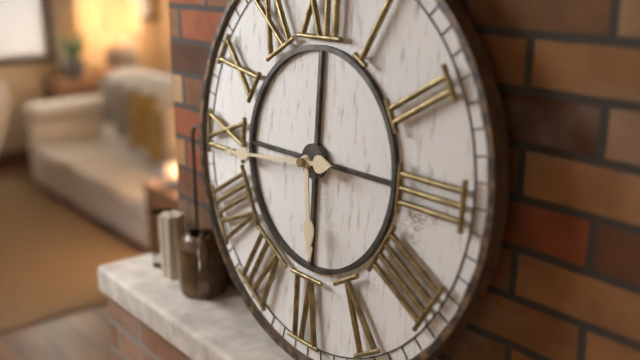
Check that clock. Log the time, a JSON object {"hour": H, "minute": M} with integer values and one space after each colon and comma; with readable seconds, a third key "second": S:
{"hour": 5, "minute": 44}
